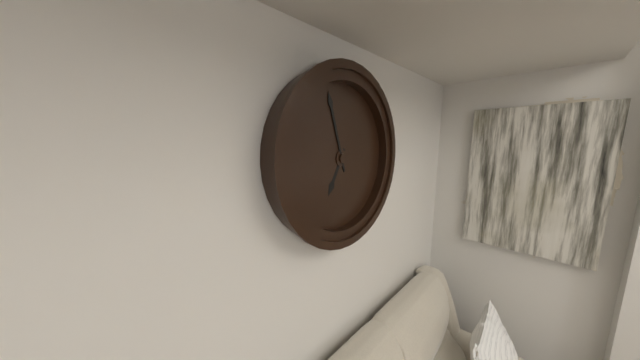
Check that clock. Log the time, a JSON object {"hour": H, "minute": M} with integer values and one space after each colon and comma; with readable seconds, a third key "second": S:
{"hour": 6, "minute": 57}
